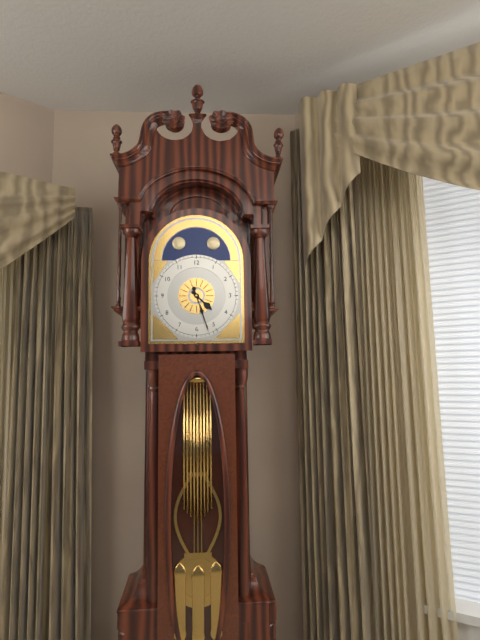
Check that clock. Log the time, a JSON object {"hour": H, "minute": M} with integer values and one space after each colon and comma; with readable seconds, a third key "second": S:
{"hour": 4, "minute": 27}
